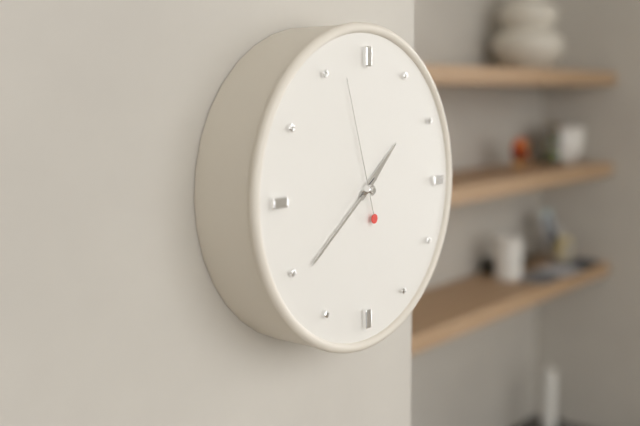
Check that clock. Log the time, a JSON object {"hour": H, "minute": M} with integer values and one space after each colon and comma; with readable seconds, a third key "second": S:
{"hour": 1, "minute": 39, "second": 57}
